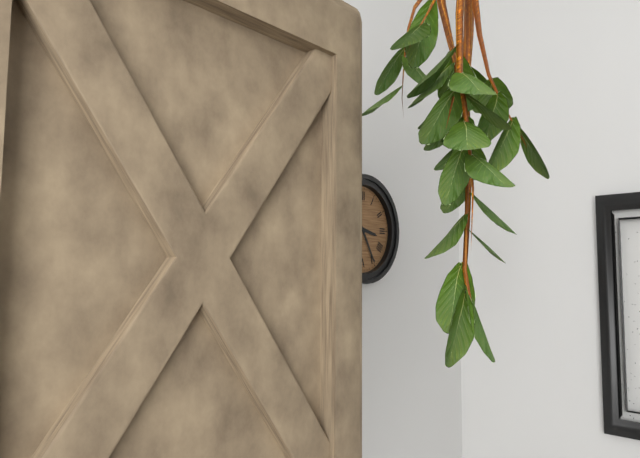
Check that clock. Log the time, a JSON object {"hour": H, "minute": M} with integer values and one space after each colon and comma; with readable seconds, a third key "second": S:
{"hour": 3, "minute": 25}
